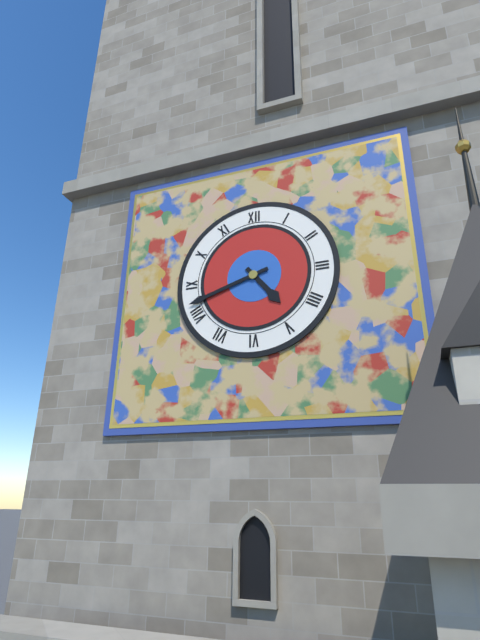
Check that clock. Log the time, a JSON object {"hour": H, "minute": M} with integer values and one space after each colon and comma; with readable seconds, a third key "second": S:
{"hour": 4, "minute": 42}
